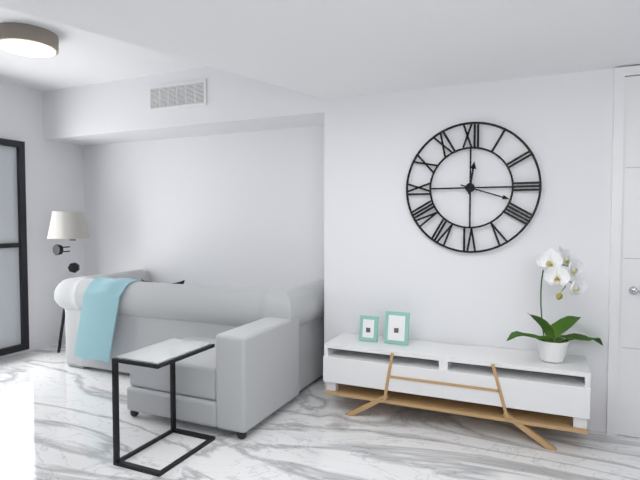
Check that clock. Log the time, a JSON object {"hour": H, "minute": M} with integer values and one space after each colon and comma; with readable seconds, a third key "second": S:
{"hour": 12, "minute": 18}
